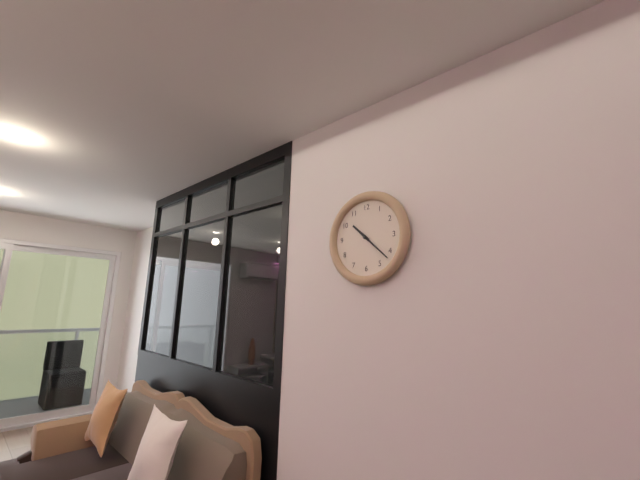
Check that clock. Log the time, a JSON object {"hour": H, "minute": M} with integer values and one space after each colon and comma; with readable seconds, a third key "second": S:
{"hour": 10, "minute": 22}
